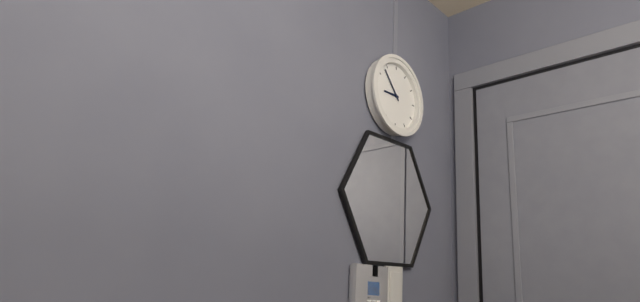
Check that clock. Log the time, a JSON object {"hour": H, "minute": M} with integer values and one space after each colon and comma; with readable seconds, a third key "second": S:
{"hour": 8, "minute": 53}
